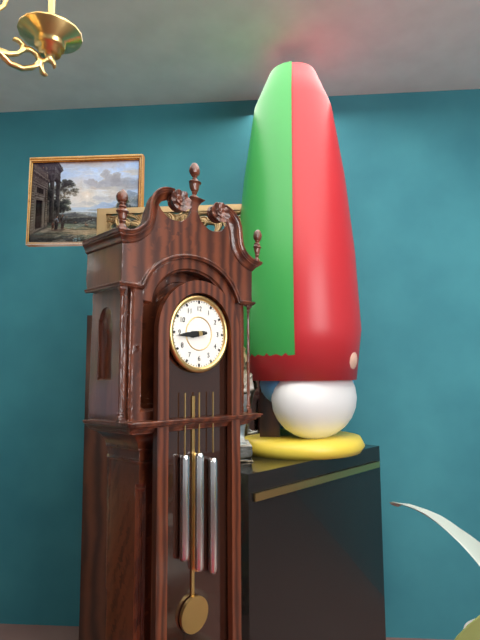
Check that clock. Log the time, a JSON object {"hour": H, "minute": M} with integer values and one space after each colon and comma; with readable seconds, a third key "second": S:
{"hour": 8, "minute": 44}
